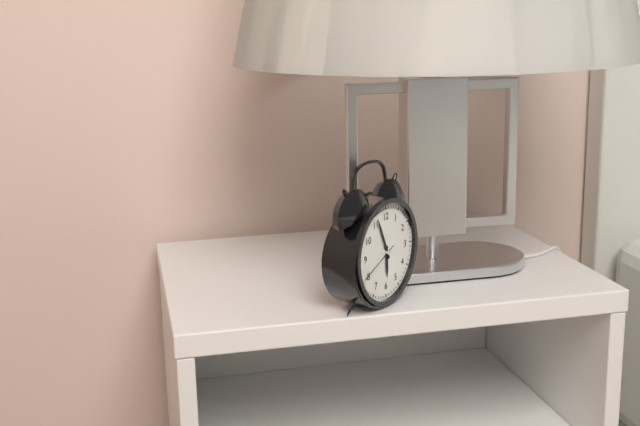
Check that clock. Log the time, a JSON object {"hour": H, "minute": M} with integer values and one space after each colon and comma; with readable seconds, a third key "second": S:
{"hour": 5, "minute": 56}
